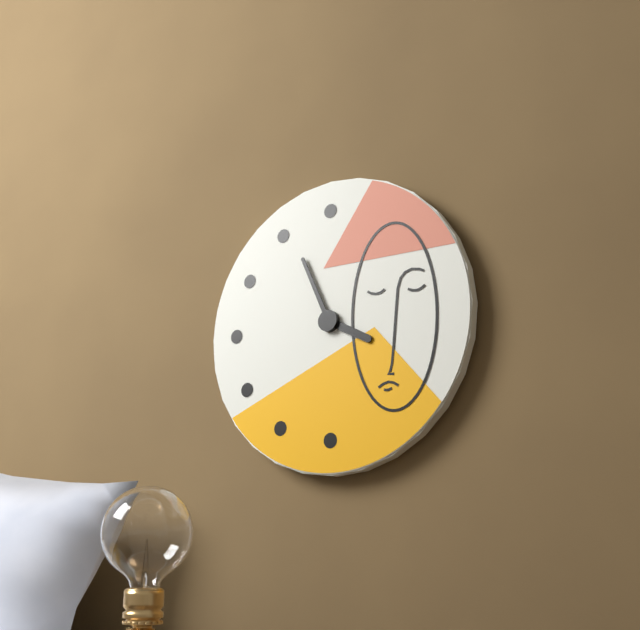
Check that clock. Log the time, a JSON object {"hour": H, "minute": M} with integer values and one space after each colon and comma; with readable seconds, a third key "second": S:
{"hour": 3, "minute": 56}
